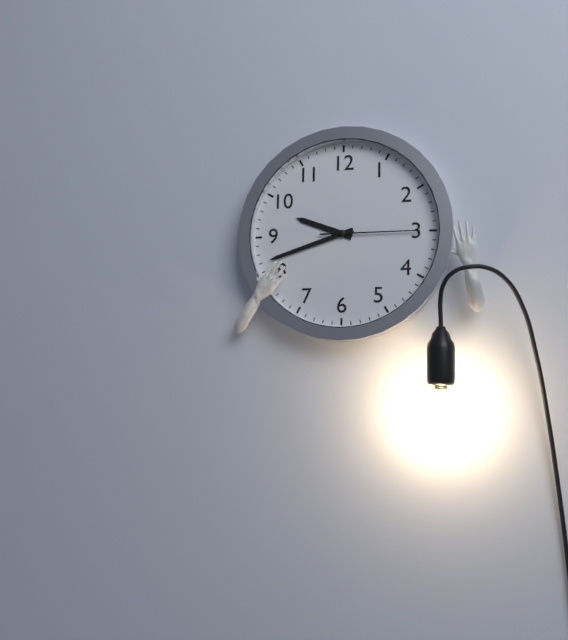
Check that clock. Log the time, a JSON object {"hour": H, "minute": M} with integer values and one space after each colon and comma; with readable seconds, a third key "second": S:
{"hour": 9, "minute": 42, "second": 15}
